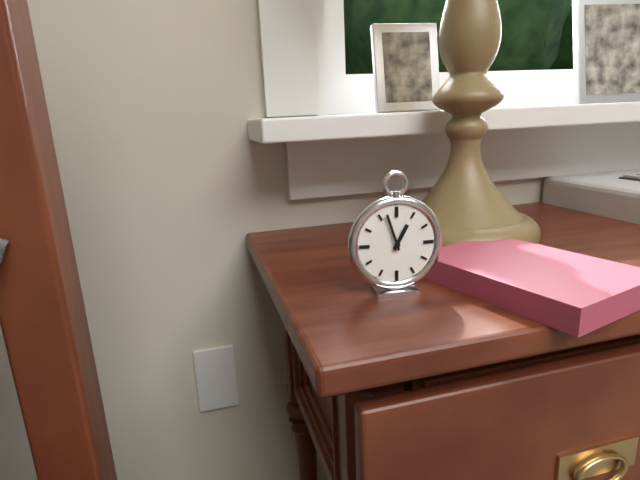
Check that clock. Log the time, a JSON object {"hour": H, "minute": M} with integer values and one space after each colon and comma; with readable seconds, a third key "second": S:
{"hour": 12, "minute": 57}
